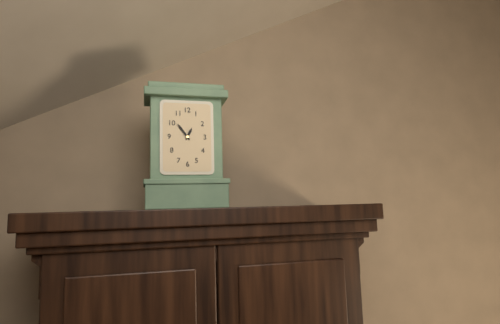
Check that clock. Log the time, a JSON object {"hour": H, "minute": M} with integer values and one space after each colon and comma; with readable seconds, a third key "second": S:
{"hour": 12, "minute": 54}
